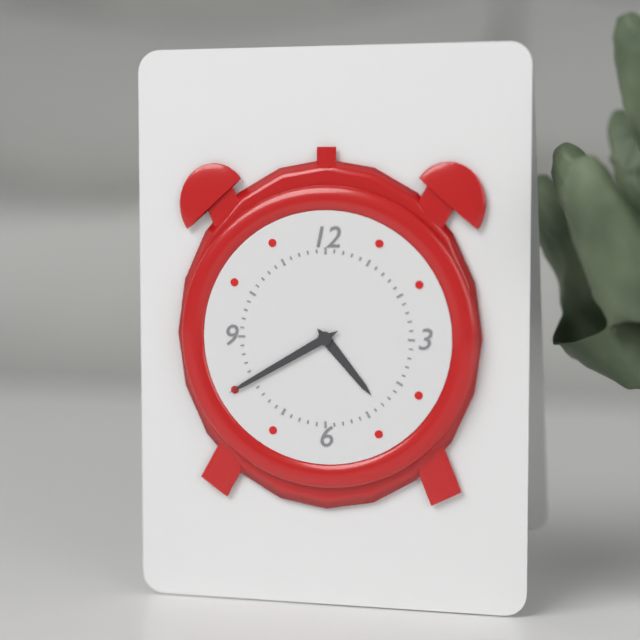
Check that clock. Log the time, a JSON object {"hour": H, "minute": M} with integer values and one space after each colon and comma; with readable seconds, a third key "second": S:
{"hour": 4, "minute": 40}
